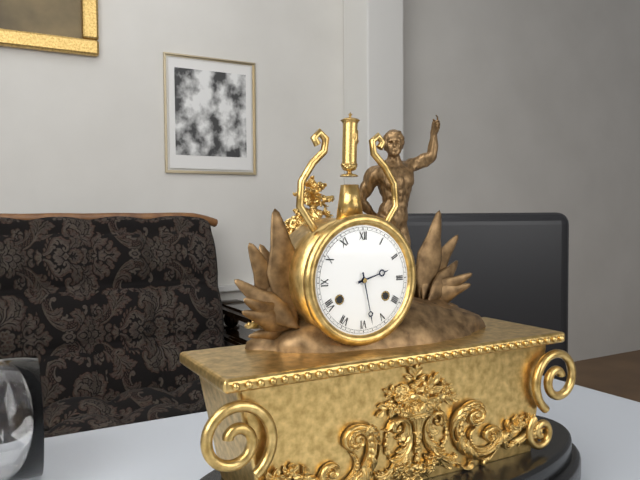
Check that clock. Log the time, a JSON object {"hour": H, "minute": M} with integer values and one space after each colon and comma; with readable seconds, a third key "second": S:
{"hour": 2, "minute": 28}
